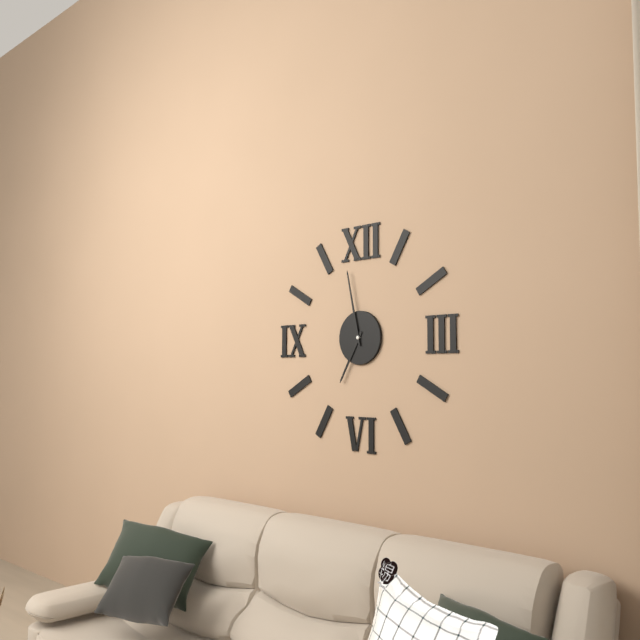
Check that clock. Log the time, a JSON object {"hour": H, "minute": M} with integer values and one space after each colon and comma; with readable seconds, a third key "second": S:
{"hour": 6, "minute": 58}
